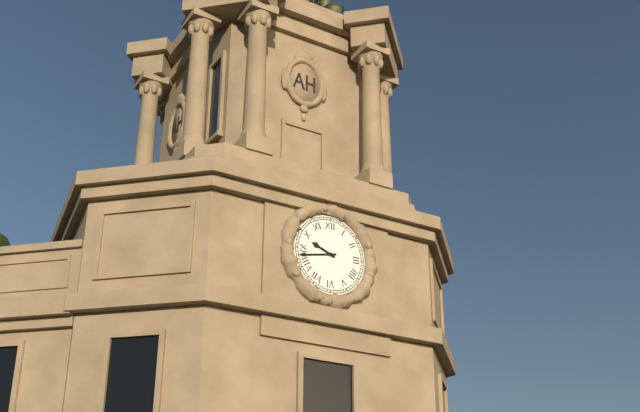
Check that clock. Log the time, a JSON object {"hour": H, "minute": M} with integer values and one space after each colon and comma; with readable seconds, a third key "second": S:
{"hour": 9, "minute": 43}
